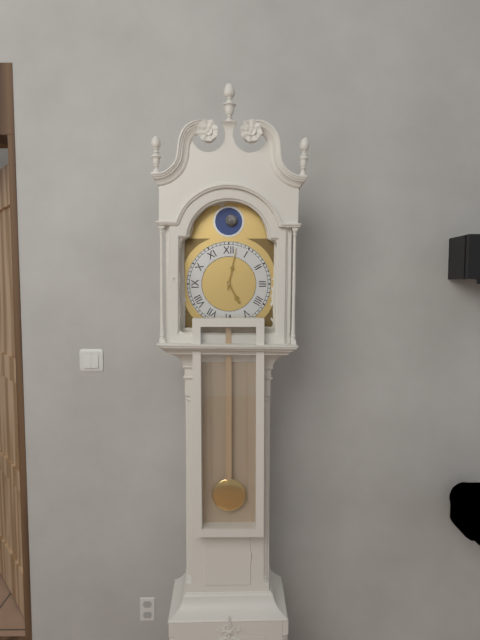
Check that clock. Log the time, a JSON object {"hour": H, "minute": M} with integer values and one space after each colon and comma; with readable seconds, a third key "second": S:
{"hour": 5, "minute": 2}
